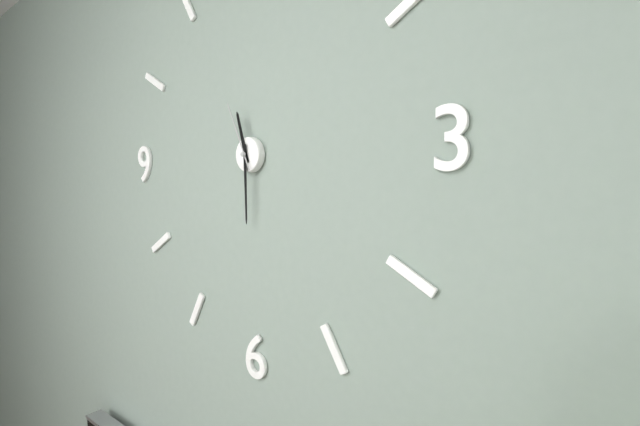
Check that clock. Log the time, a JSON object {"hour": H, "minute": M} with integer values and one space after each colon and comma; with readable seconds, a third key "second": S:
{"hour": 11, "minute": 30, "second": 56}
